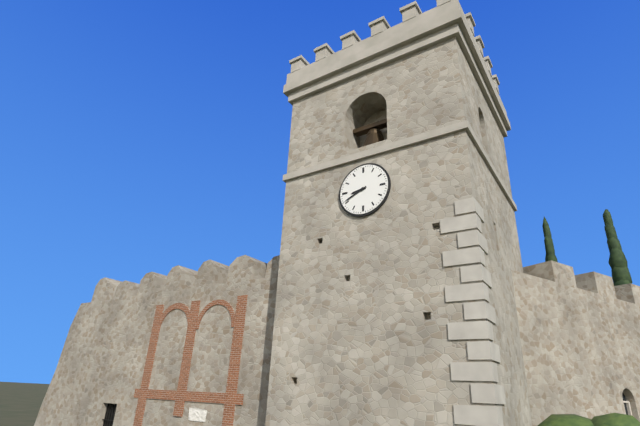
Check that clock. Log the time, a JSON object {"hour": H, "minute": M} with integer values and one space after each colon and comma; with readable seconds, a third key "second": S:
{"hour": 8, "minute": 41}
